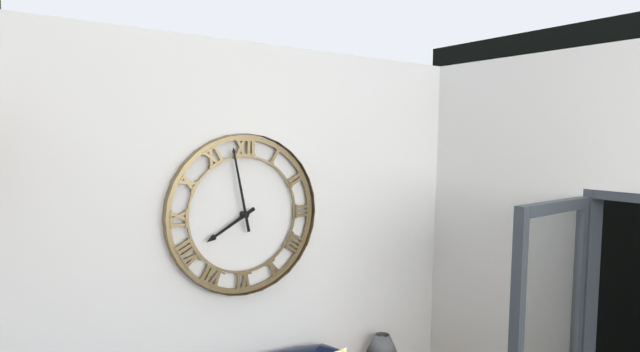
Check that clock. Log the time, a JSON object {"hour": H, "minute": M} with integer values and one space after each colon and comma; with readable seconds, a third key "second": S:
{"hour": 7, "minute": 58}
